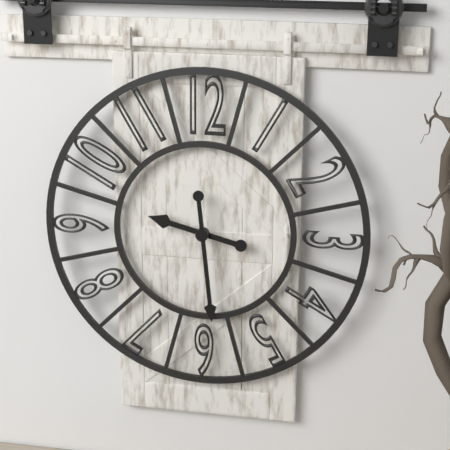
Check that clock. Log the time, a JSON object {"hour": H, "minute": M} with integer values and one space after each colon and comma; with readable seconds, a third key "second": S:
{"hour": 9, "minute": 29}
